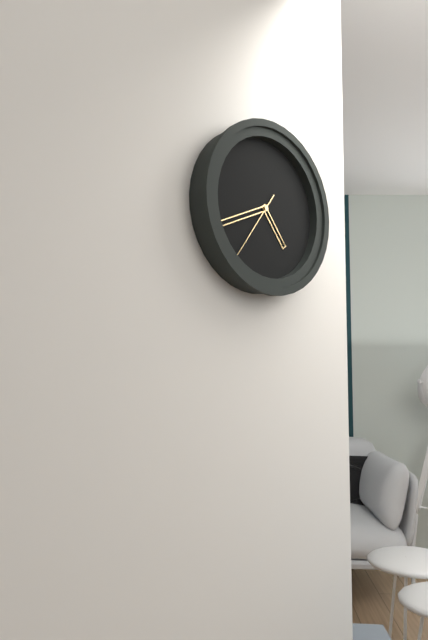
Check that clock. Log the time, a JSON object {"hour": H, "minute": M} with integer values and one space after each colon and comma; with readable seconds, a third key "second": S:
{"hour": 4, "minute": 41, "second": 36}
